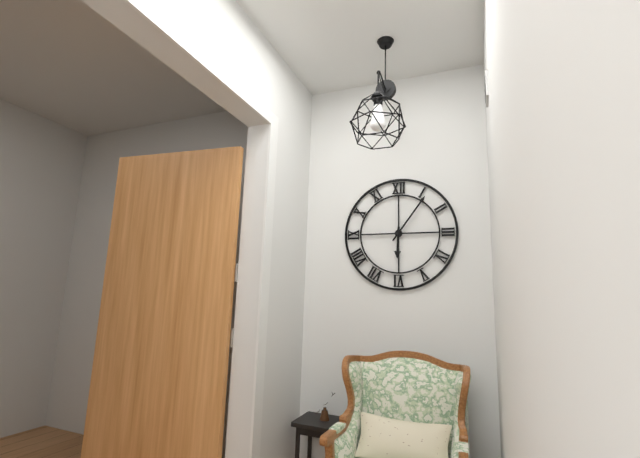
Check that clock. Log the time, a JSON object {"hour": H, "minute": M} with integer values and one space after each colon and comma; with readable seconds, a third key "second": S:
{"hour": 6, "minute": 6}
